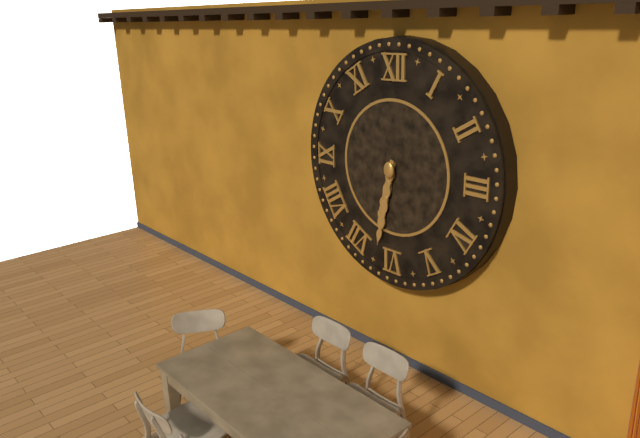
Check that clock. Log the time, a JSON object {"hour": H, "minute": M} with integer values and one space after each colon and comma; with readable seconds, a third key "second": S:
{"hour": 6, "minute": 32}
